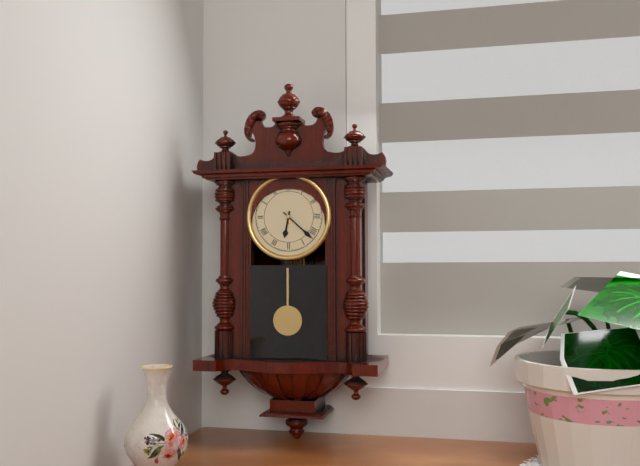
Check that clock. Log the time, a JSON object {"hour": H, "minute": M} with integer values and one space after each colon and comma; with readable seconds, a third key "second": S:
{"hour": 6, "minute": 22}
